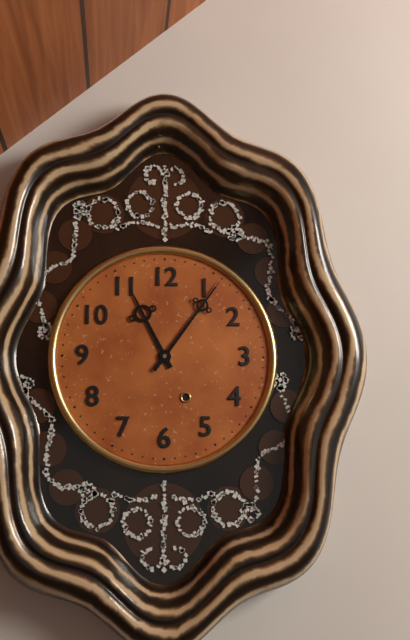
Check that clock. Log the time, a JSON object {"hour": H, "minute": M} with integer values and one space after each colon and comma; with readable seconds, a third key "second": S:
{"hour": 11, "minute": 6}
